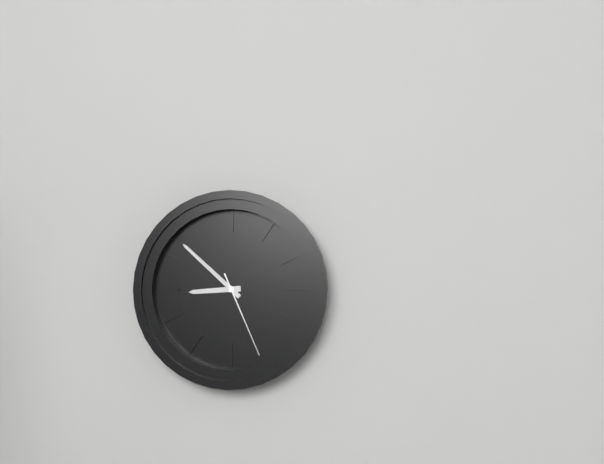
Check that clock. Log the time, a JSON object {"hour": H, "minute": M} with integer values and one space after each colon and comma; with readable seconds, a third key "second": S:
{"hour": 8, "minute": 52, "second": 26}
